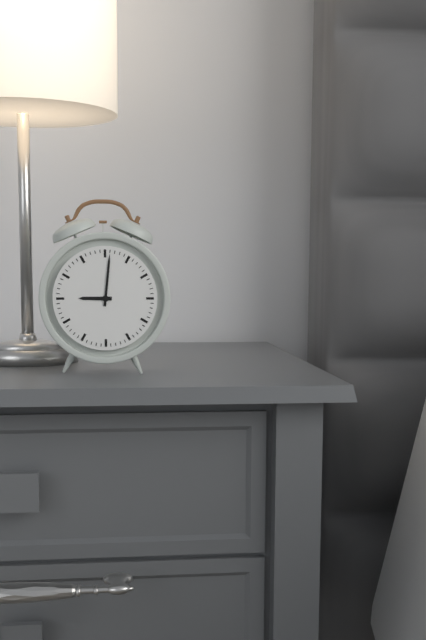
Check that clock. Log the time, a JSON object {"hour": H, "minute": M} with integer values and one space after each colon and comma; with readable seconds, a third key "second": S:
{"hour": 9, "minute": 1}
